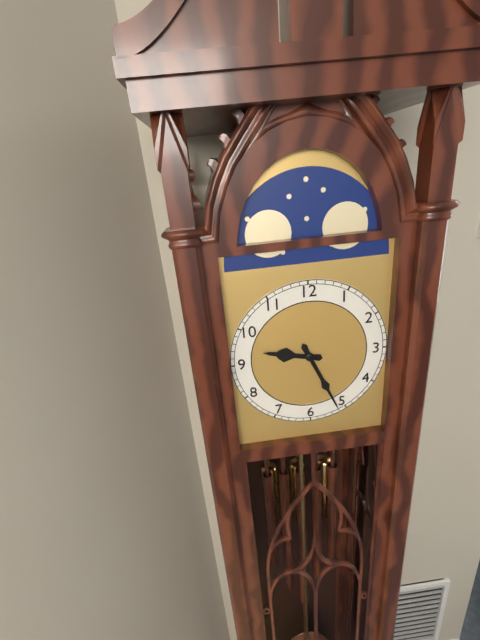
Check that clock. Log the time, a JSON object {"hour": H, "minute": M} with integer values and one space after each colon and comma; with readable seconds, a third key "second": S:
{"hour": 9, "minute": 26}
